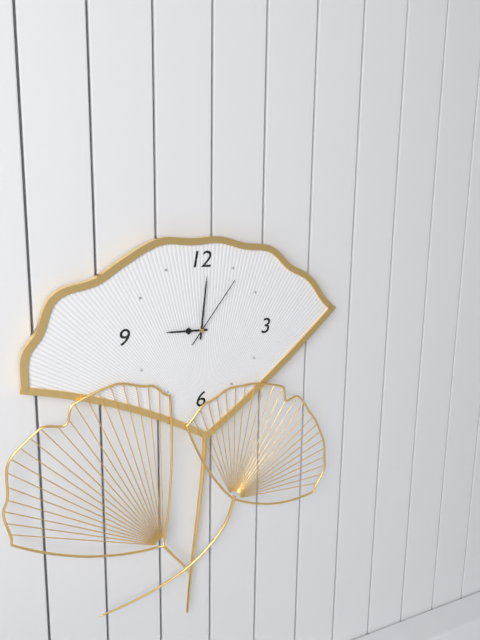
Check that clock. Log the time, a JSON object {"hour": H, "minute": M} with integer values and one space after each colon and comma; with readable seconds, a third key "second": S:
{"hour": 9, "minute": 1, "second": 6}
